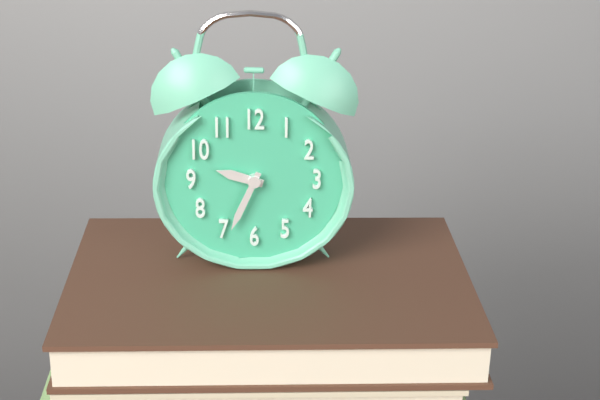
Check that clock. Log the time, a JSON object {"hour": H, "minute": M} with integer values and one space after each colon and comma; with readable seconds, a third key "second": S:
{"hour": 9, "minute": 34}
